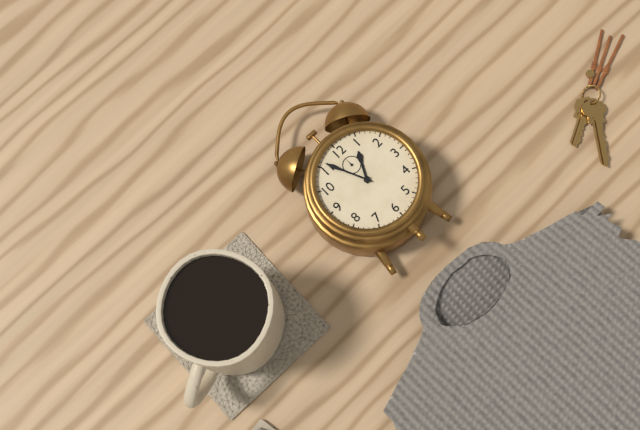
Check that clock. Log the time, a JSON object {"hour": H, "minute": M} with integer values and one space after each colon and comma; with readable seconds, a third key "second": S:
{"hour": 12, "minute": 56}
